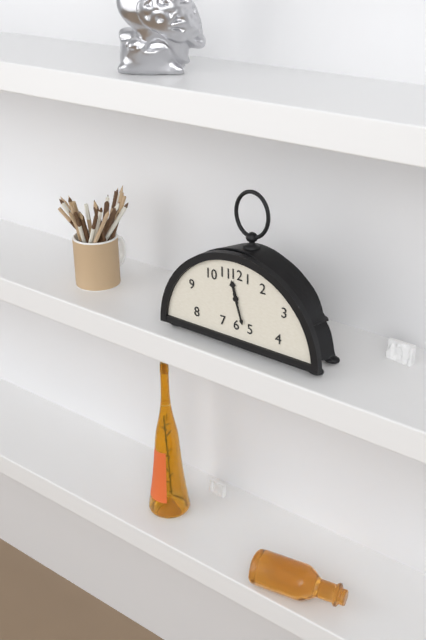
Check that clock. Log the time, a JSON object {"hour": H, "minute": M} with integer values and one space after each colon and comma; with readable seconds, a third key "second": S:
{"hour": 11, "minute": 27}
